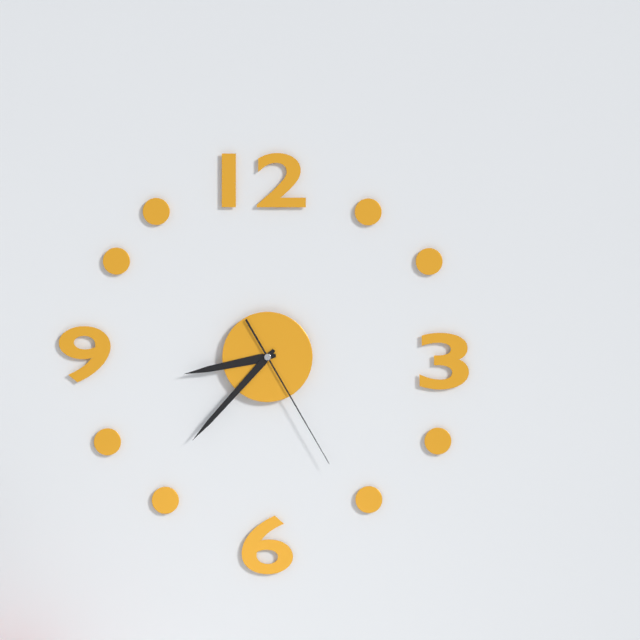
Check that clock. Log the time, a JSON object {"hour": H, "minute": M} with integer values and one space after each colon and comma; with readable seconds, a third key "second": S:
{"hour": 8, "minute": 37, "second": 25}
